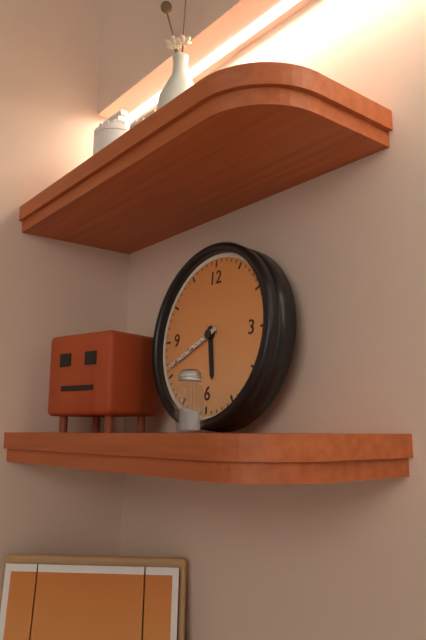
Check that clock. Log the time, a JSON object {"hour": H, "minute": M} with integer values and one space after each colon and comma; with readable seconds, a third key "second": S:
{"hour": 5, "minute": 41}
